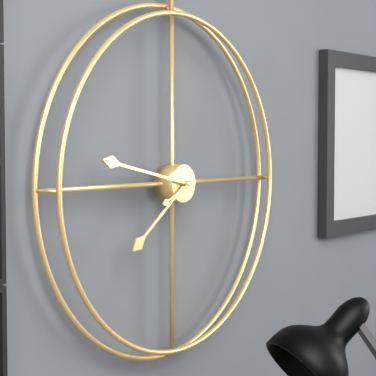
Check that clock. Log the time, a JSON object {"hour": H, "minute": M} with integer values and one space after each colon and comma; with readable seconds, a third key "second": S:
{"hour": 7, "minute": 47}
